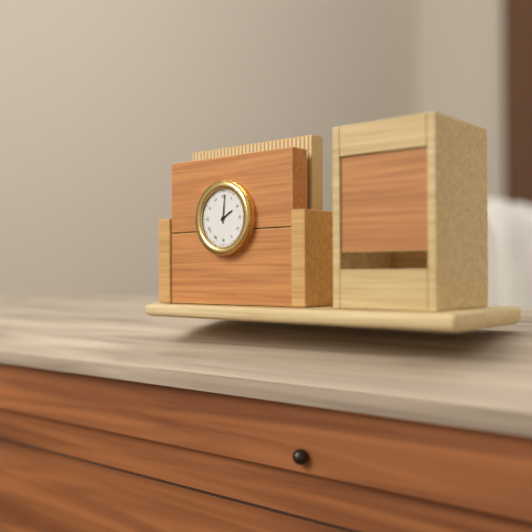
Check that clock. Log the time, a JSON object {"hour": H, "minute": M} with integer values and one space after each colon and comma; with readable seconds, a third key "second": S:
{"hour": 2, "minute": 1}
